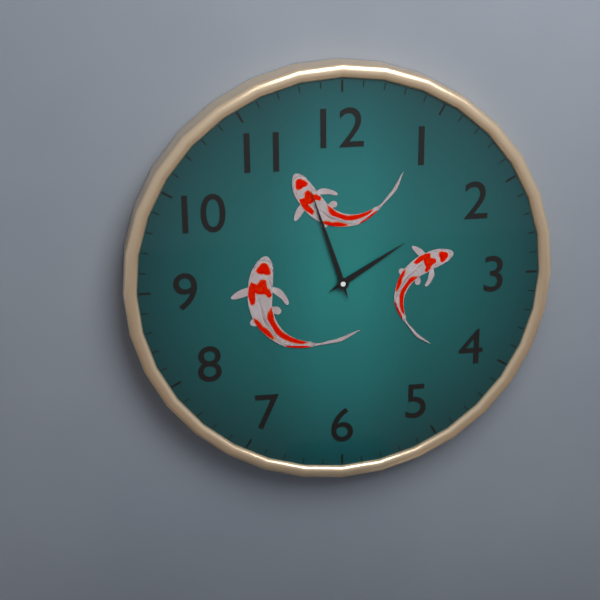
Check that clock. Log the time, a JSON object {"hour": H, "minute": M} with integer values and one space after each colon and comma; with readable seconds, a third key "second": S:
{"hour": 1, "minute": 57}
